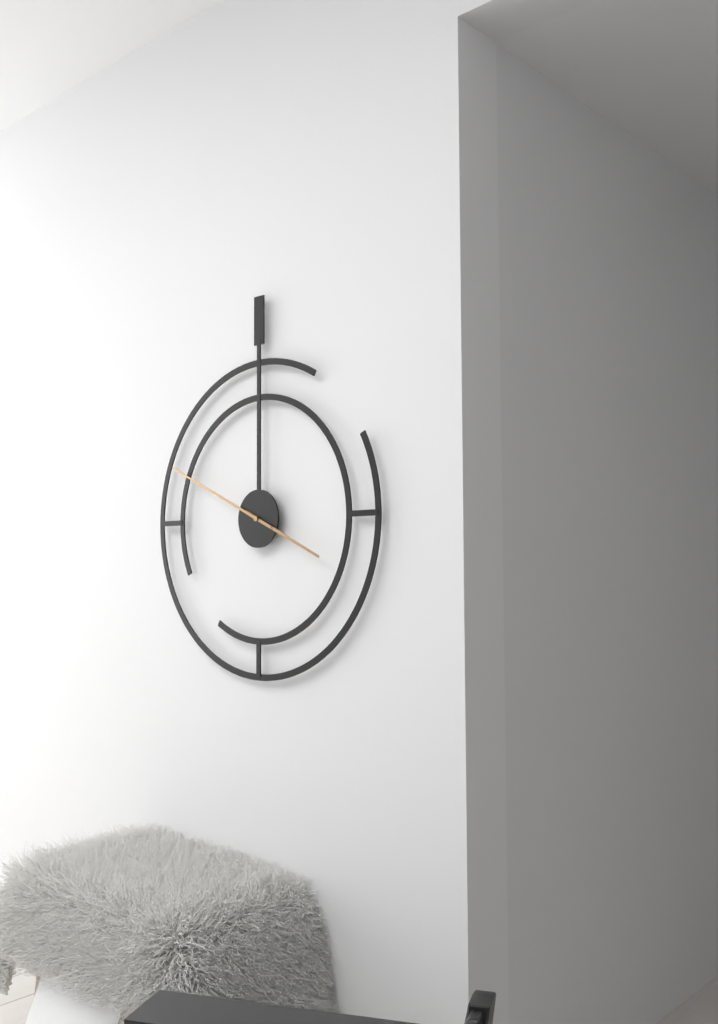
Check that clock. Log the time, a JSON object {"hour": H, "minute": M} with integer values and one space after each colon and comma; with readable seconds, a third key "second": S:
{"hour": 3, "minute": 49}
